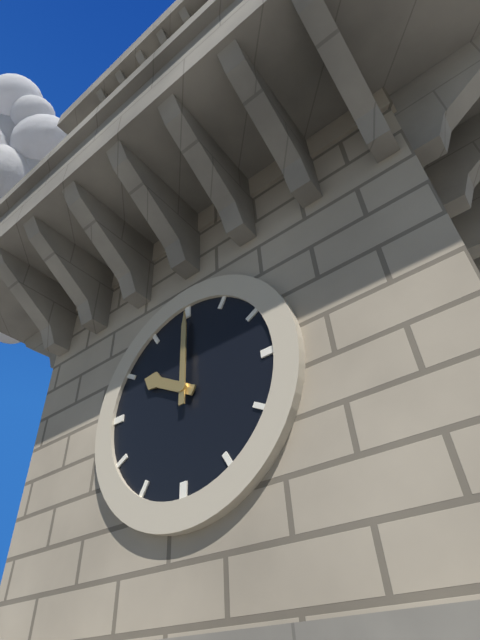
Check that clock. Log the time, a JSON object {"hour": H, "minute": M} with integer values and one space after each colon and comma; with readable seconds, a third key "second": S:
{"hour": 10, "minute": 0}
